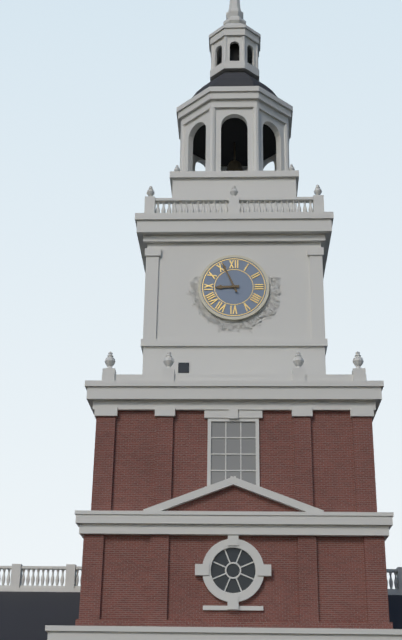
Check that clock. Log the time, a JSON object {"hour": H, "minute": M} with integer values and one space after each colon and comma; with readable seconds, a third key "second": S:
{"hour": 8, "minute": 56}
